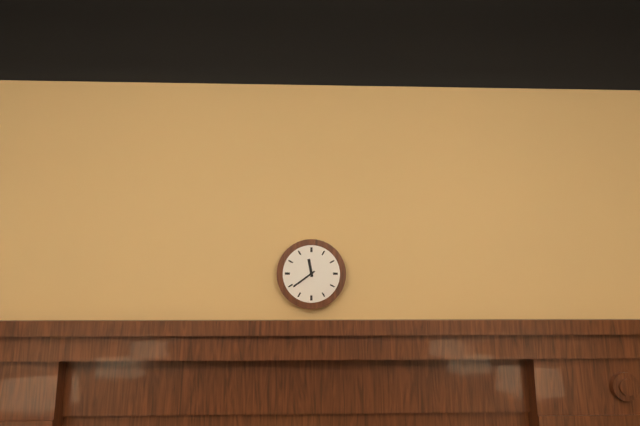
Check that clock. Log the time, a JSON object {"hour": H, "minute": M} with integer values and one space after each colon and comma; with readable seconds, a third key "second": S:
{"hour": 11, "minute": 39}
